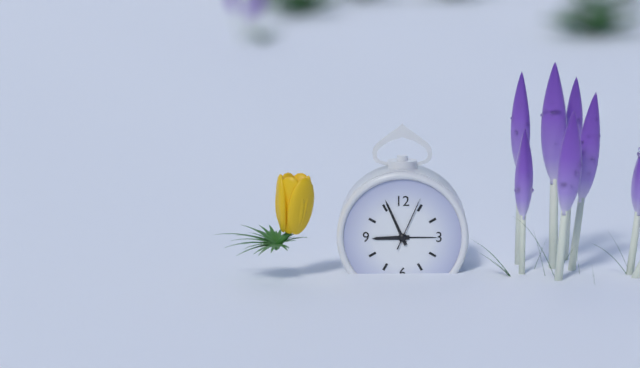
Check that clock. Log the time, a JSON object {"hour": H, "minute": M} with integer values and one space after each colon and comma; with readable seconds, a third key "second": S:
{"hour": 8, "minute": 56, "second": 4}
